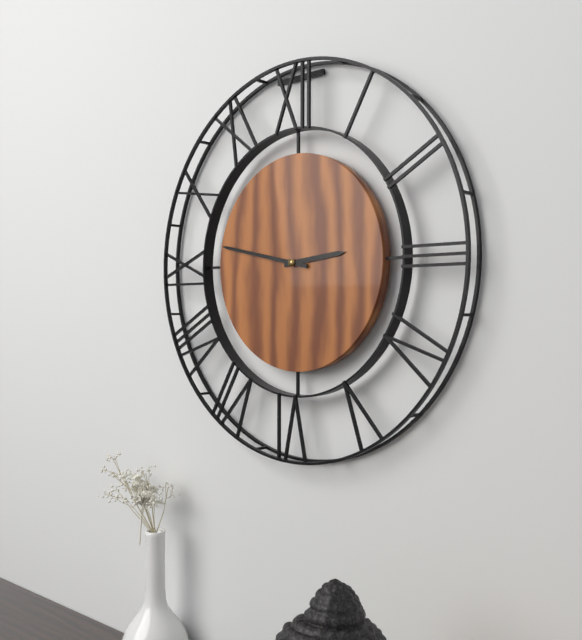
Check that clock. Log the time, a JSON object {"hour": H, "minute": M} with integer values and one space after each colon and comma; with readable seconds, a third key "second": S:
{"hour": 2, "minute": 47}
